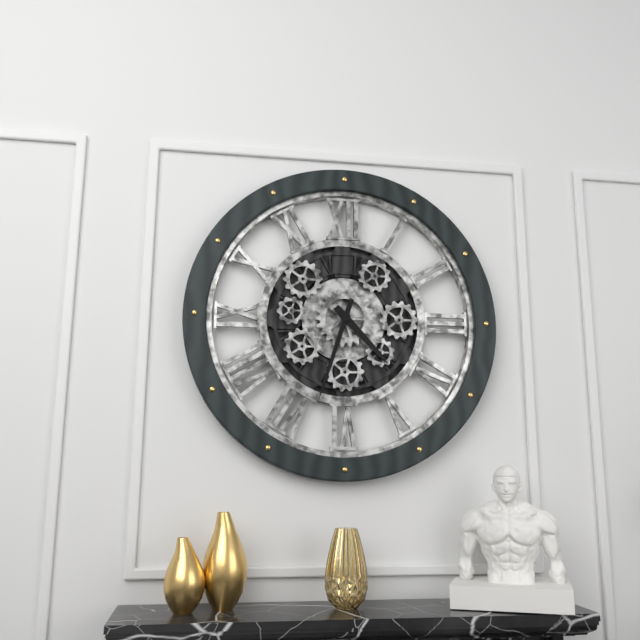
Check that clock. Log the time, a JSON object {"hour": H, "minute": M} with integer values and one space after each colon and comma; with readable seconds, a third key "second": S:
{"hour": 4, "minute": 33}
